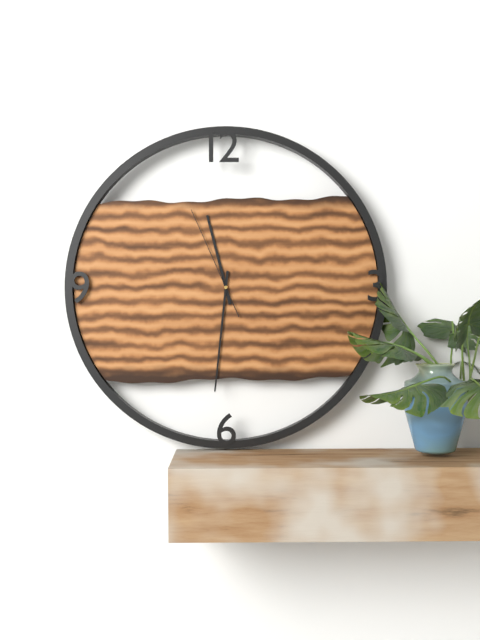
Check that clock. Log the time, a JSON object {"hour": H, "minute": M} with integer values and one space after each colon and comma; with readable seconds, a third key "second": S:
{"hour": 11, "minute": 31, "second": 56}
